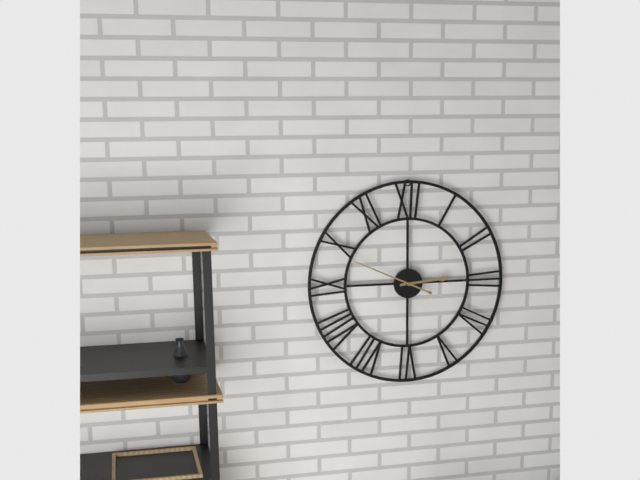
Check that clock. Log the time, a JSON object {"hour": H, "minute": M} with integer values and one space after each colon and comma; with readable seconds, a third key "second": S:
{"hour": 2, "minute": 49}
